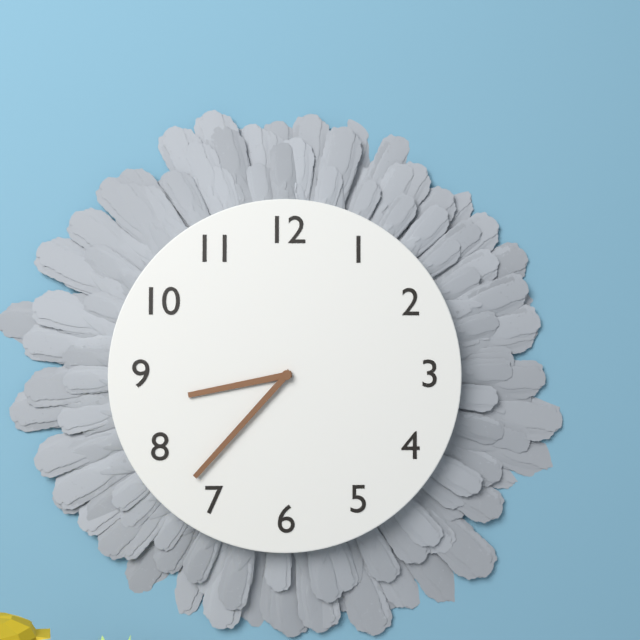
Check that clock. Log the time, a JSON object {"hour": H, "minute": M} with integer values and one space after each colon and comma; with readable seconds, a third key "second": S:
{"hour": 8, "minute": 37}
